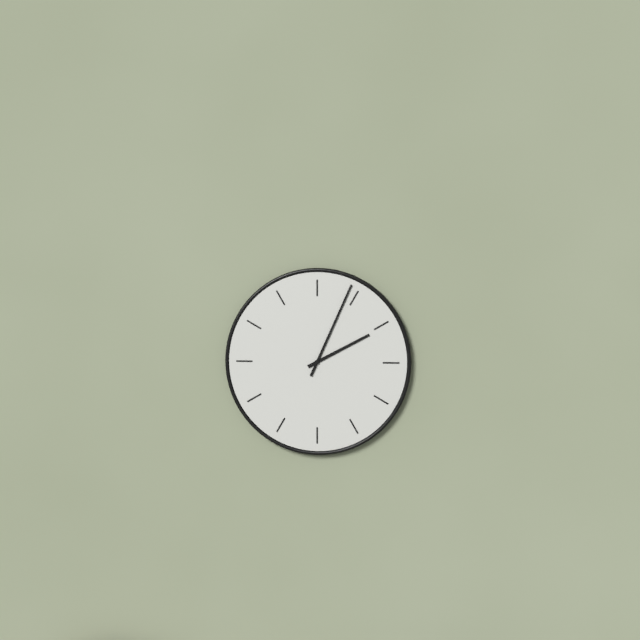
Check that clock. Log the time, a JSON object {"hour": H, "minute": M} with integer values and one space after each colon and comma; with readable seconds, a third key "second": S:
{"hour": 2, "minute": 4}
